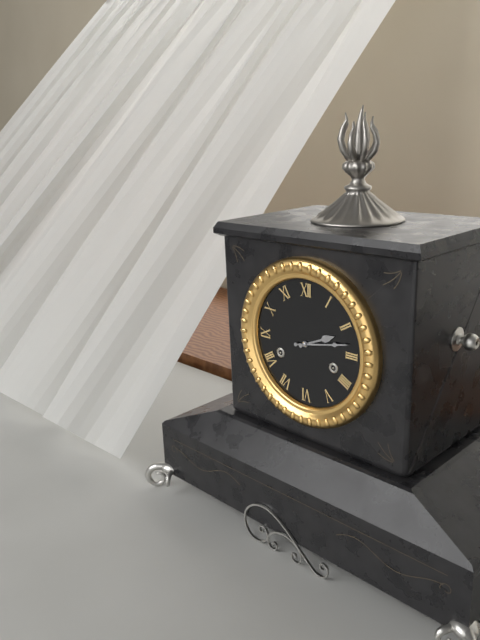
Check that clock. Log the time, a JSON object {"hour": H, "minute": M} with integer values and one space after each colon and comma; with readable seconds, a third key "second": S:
{"hour": 2, "minute": 13}
